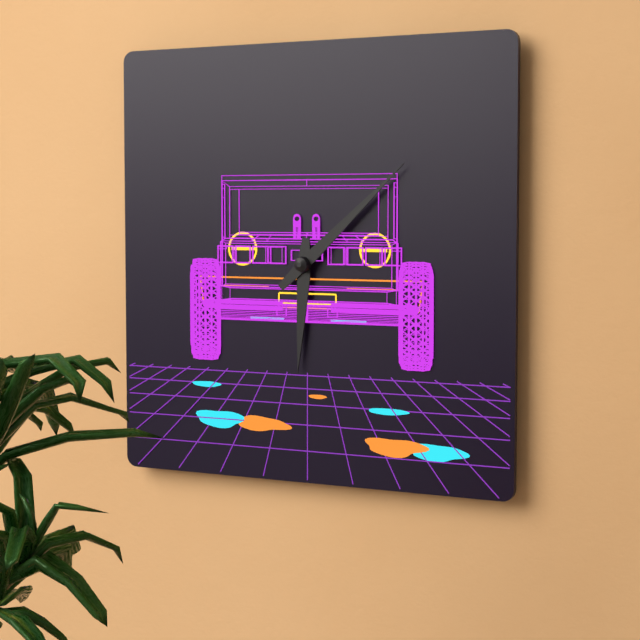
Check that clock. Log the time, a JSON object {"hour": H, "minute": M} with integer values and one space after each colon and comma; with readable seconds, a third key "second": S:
{"hour": 6, "minute": 8}
